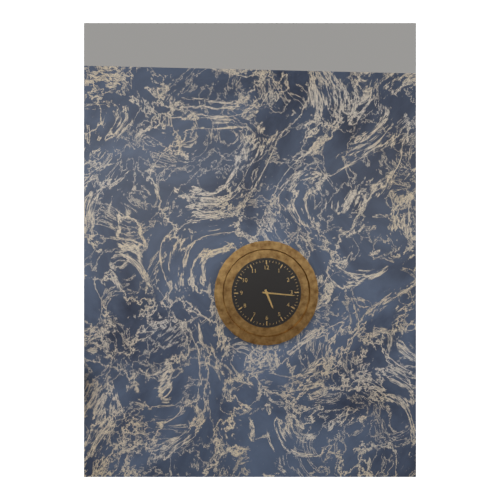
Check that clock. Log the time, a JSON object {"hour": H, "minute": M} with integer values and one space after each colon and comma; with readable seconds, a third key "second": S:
{"hour": 5, "minute": 16}
